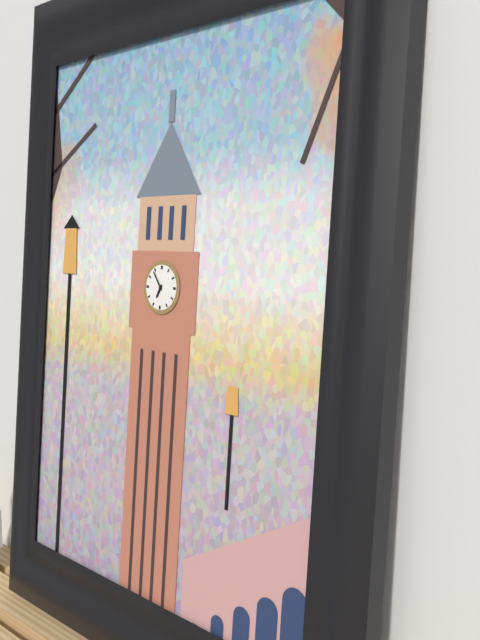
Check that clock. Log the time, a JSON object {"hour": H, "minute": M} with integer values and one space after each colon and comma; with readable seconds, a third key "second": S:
{"hour": 6, "minute": 54}
